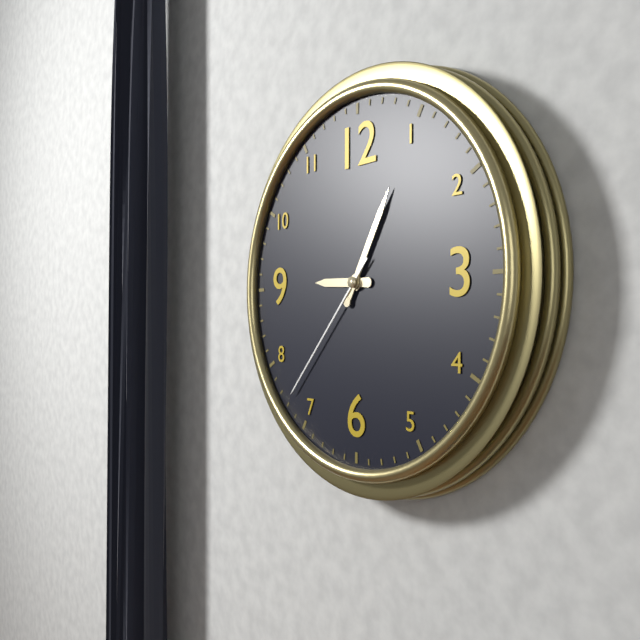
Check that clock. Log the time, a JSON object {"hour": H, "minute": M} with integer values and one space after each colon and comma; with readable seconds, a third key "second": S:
{"hour": 9, "minute": 5, "second": 37}
